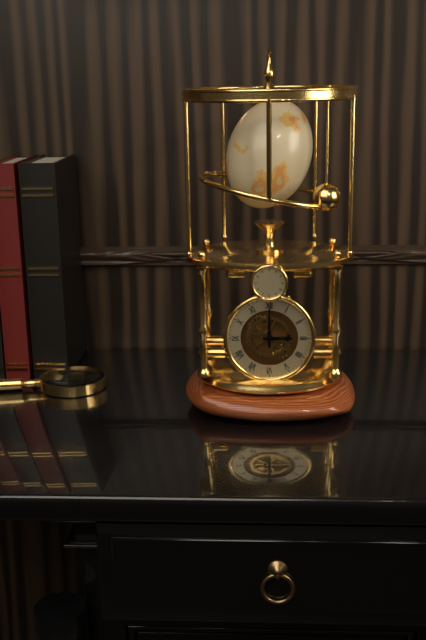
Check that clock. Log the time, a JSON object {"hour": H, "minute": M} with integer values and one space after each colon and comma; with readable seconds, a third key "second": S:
{"hour": 3, "minute": 0}
